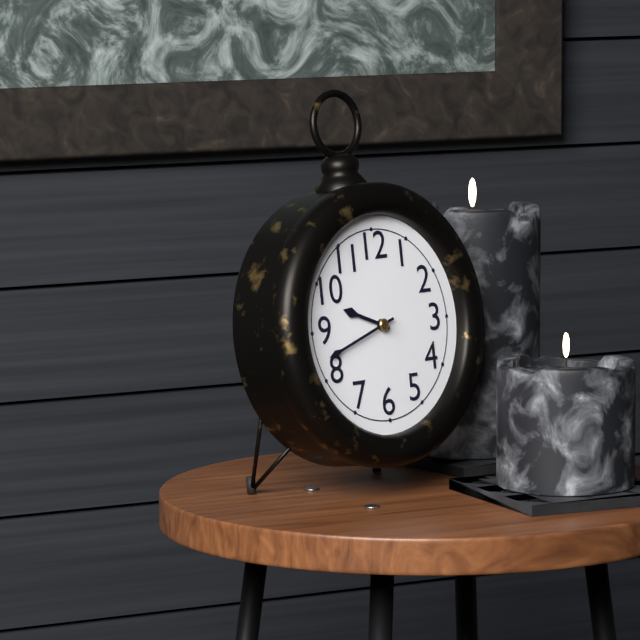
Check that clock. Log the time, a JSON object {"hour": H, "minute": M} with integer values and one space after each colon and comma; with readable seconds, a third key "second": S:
{"hour": 9, "minute": 42}
